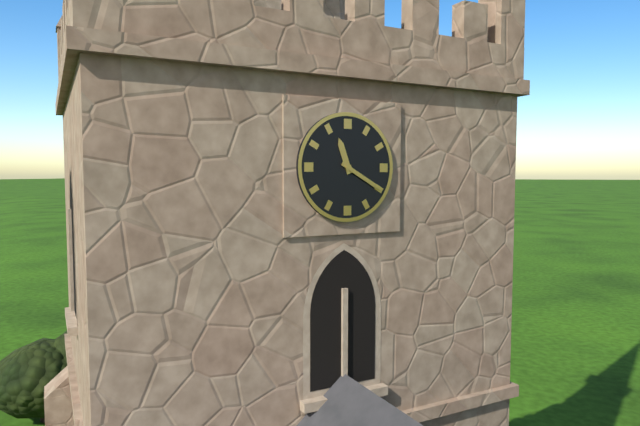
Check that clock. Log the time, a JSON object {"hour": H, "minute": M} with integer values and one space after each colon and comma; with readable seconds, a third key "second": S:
{"hour": 11, "minute": 20}
